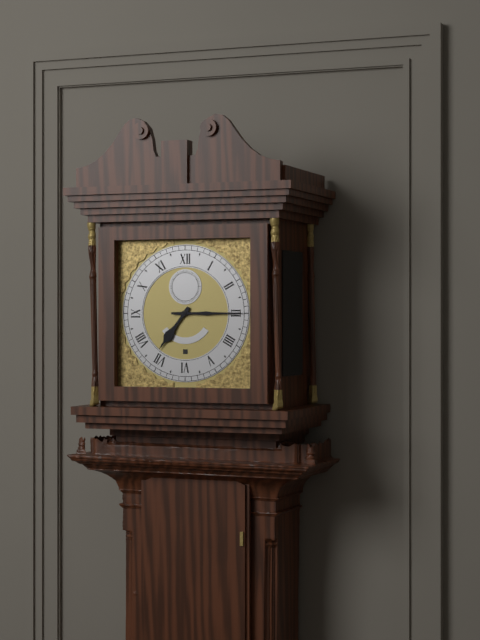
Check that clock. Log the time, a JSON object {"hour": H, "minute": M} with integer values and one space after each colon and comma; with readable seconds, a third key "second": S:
{"hour": 7, "minute": 15}
